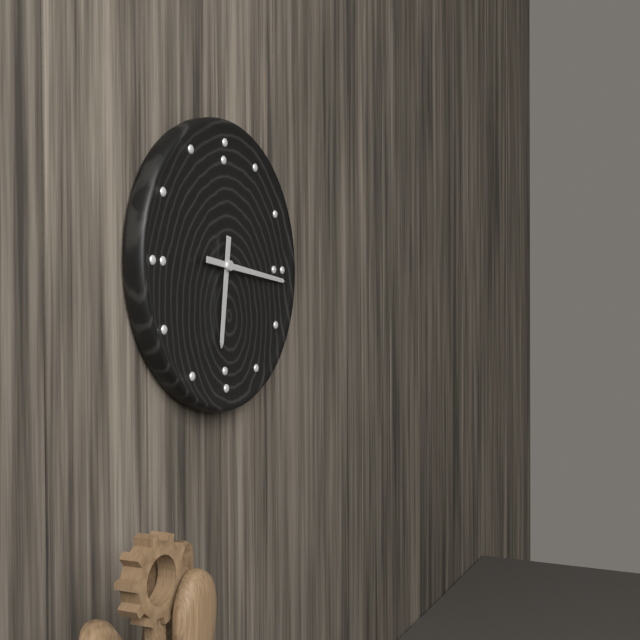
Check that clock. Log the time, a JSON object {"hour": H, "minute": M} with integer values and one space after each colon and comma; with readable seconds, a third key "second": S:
{"hour": 6, "minute": 16}
